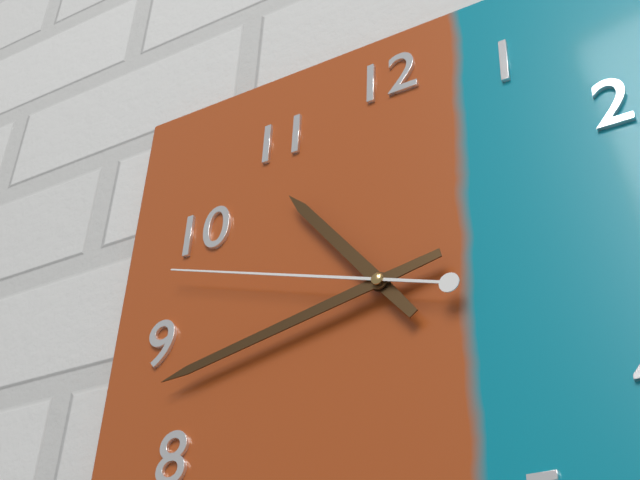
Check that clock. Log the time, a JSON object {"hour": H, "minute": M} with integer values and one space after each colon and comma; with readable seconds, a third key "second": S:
{"hour": 10, "minute": 43, "second": 48}
